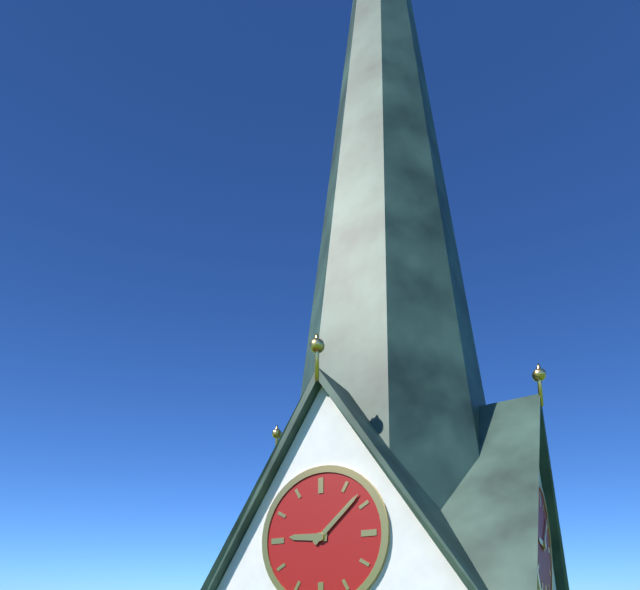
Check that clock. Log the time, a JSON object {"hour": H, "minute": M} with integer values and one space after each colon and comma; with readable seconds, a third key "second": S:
{"hour": 9, "minute": 8}
